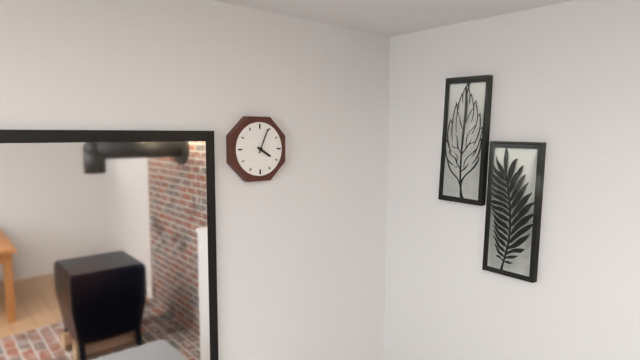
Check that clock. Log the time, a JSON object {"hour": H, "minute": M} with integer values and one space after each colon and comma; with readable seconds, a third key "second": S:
{"hour": 4, "minute": 4}
